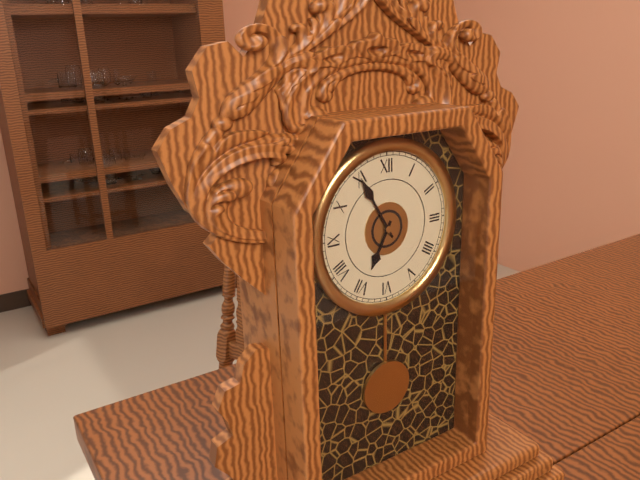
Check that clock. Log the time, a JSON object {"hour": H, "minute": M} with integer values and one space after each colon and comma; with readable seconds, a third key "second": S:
{"hour": 6, "minute": 55}
